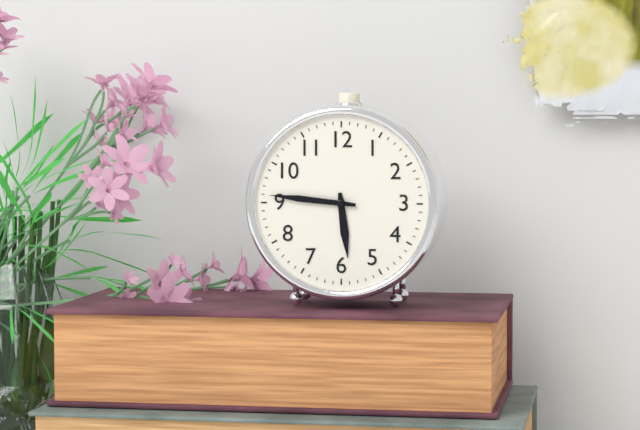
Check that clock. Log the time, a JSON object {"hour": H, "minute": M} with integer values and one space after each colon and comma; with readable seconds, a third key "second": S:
{"hour": 5, "minute": 46}
